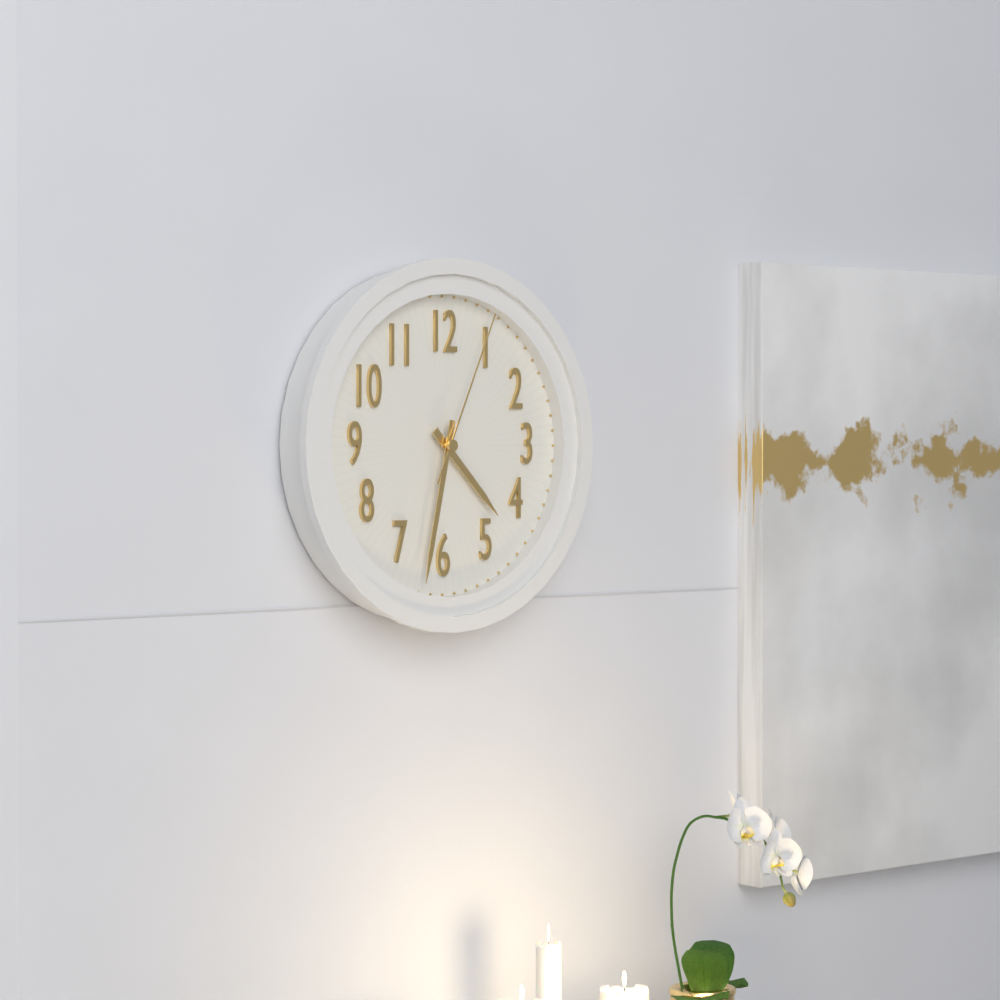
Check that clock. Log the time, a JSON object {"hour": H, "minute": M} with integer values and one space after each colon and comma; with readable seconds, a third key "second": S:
{"hour": 4, "minute": 32, "second": 4}
